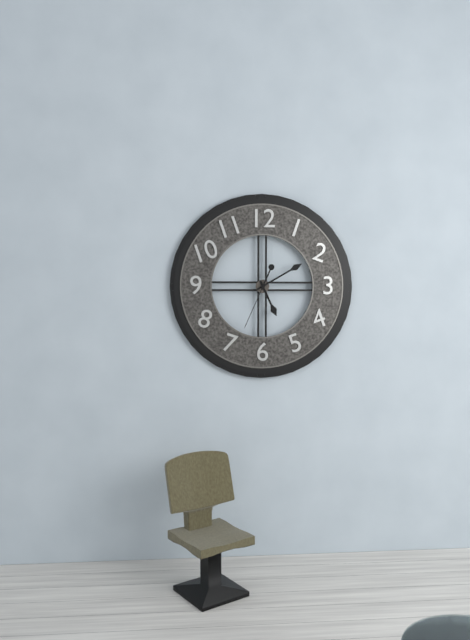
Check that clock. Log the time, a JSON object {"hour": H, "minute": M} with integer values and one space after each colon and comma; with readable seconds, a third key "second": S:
{"hour": 5, "minute": 10, "second": 34}
